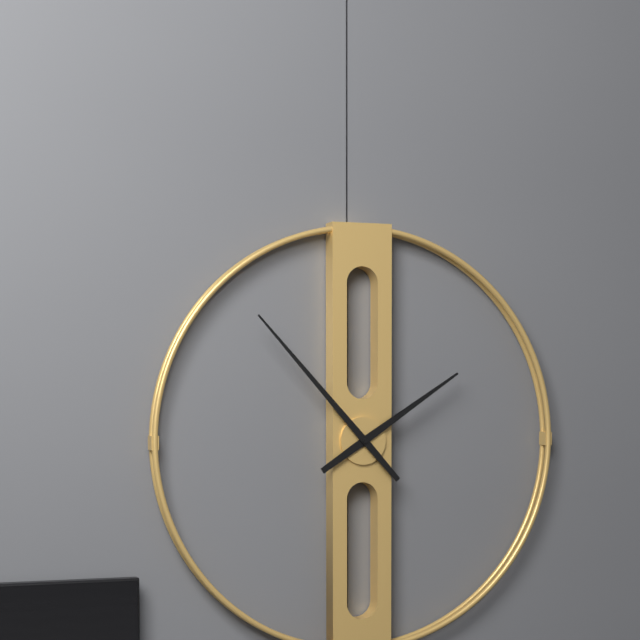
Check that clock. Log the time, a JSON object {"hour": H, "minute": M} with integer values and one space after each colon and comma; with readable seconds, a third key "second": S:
{"hour": 1, "minute": 53}
